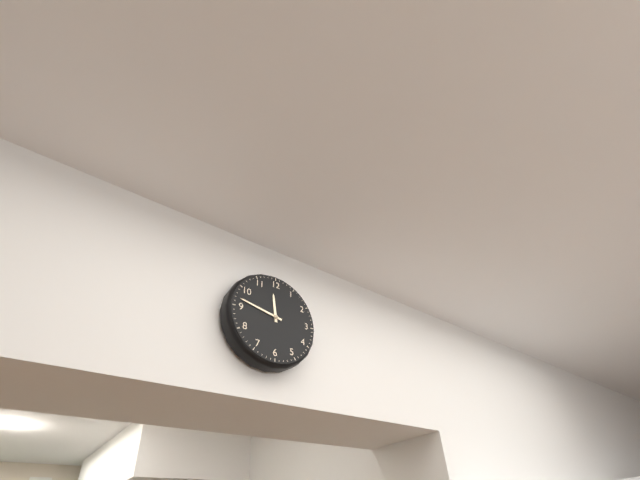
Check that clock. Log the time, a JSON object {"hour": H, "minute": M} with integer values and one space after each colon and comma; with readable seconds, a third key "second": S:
{"hour": 11, "minute": 47}
